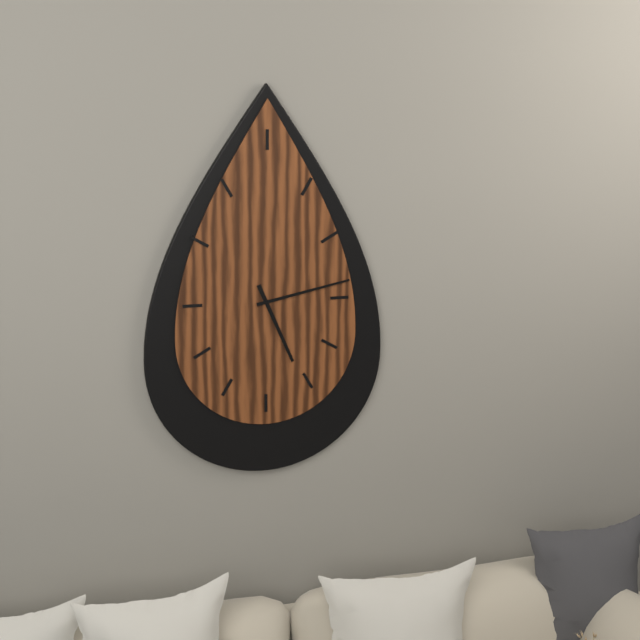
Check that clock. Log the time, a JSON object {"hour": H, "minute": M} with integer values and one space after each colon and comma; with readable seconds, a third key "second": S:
{"hour": 5, "minute": 13}
